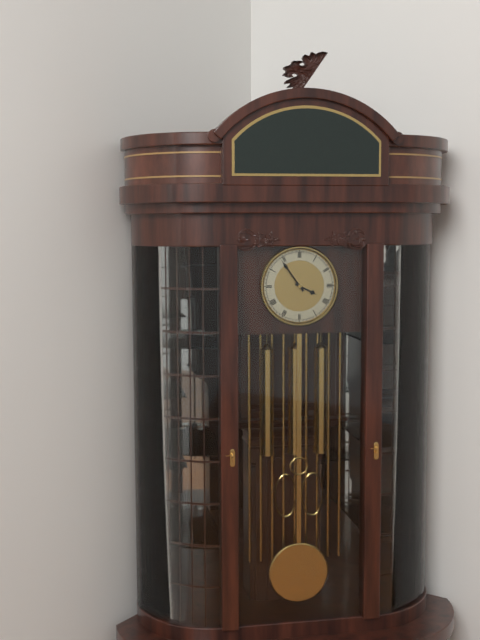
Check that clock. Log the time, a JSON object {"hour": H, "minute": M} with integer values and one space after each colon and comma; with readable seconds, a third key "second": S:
{"hour": 3, "minute": 54}
